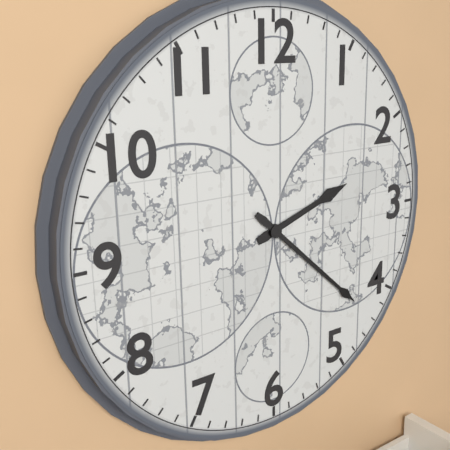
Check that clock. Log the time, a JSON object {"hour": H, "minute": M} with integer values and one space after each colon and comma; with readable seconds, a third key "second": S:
{"hour": 2, "minute": 22}
